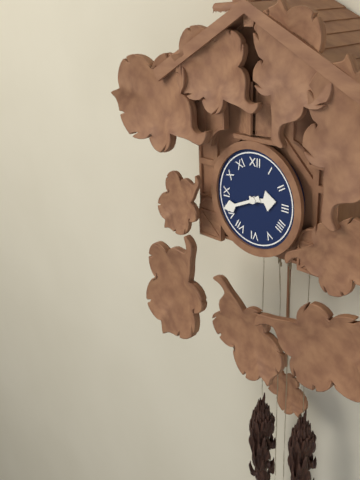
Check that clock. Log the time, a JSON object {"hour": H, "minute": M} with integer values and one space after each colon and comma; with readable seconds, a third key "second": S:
{"hour": 2, "minute": 41}
